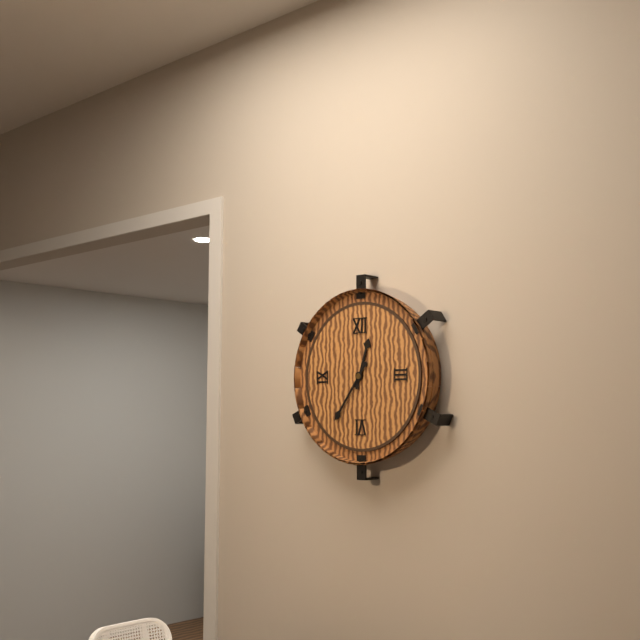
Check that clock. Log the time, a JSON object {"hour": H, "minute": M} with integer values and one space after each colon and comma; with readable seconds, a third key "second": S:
{"hour": 12, "minute": 36}
